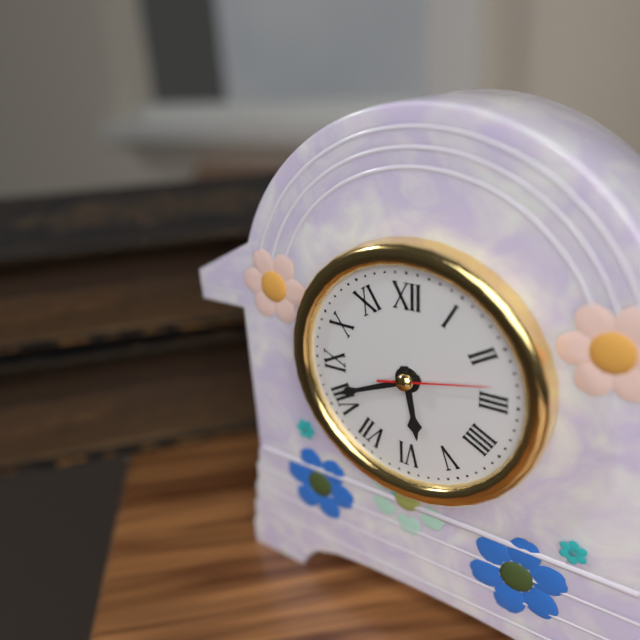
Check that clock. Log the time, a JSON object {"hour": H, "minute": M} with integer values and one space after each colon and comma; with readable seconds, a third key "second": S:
{"hour": 5, "minute": 41, "second": 13}
